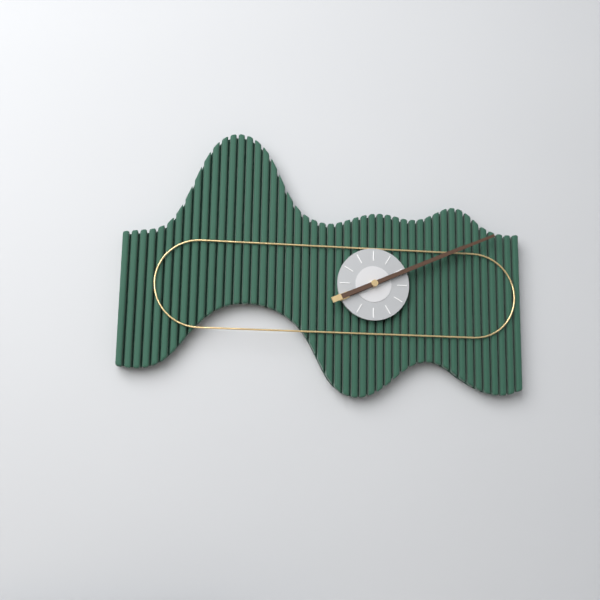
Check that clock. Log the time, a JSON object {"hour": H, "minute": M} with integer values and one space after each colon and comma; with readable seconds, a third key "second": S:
{"hour": 2, "minute": 11}
